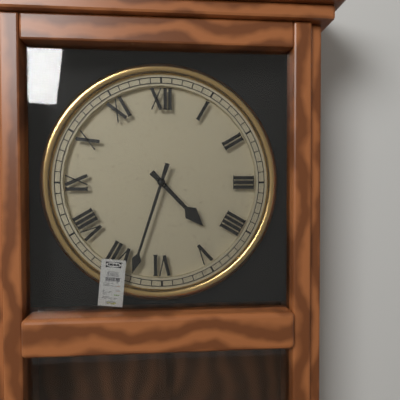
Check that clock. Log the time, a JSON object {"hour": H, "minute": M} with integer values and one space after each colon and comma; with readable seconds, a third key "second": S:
{"hour": 4, "minute": 33}
